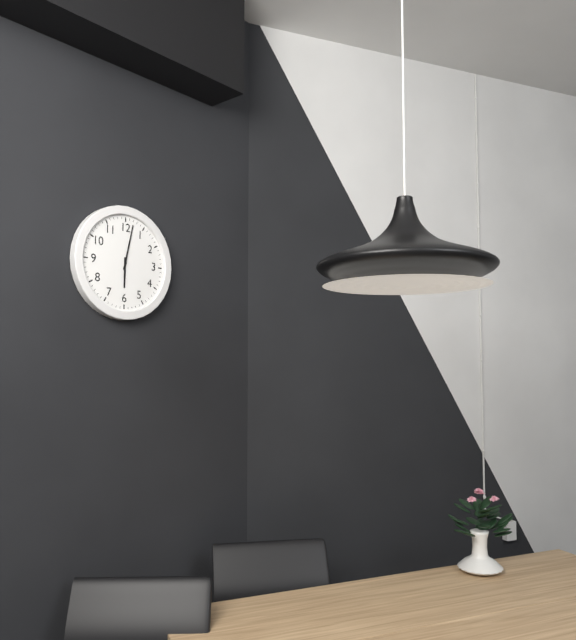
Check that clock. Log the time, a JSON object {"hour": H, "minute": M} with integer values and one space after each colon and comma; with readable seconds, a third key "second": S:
{"hour": 6, "minute": 2}
